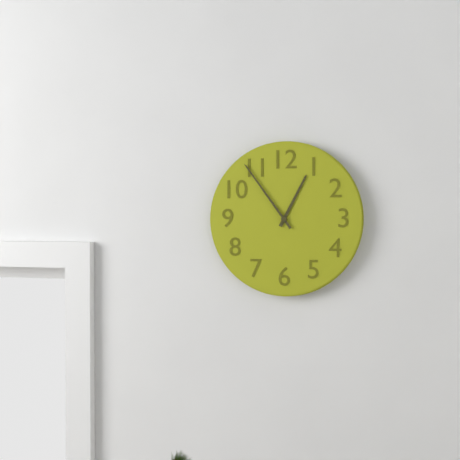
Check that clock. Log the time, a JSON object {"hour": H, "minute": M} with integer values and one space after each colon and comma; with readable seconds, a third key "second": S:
{"hour": 12, "minute": 54}
